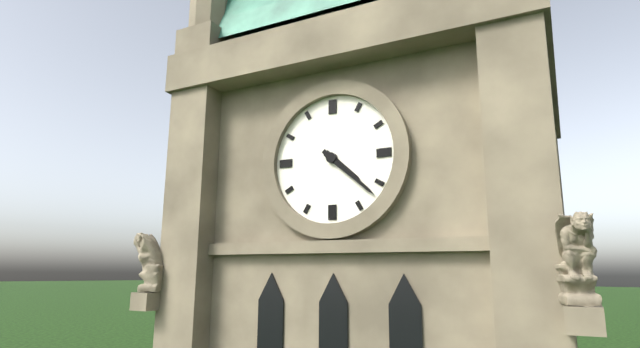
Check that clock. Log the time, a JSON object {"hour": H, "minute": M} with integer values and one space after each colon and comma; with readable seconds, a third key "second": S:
{"hour": 4, "minute": 22}
